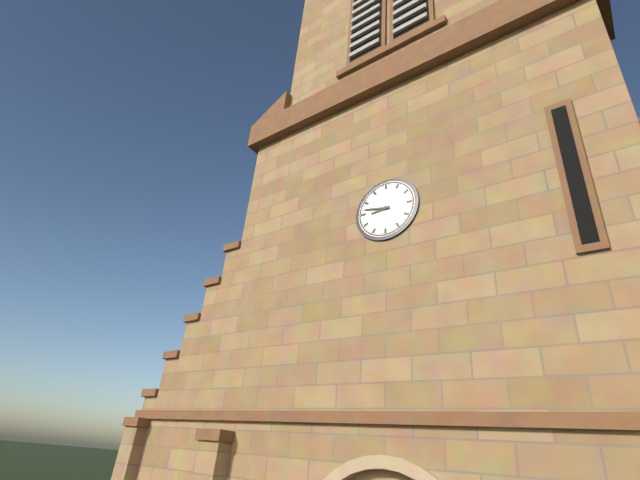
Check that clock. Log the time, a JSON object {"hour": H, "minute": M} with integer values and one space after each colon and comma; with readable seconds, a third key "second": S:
{"hour": 8, "minute": 47}
